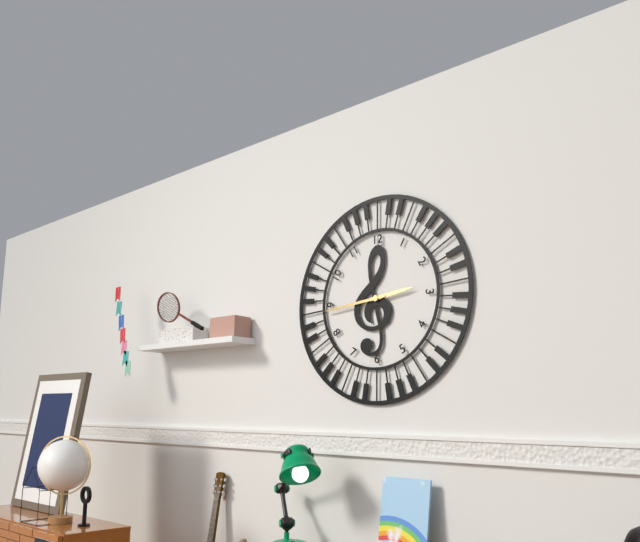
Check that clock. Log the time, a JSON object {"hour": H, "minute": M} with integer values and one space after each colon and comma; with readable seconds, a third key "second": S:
{"hour": 2, "minute": 44}
